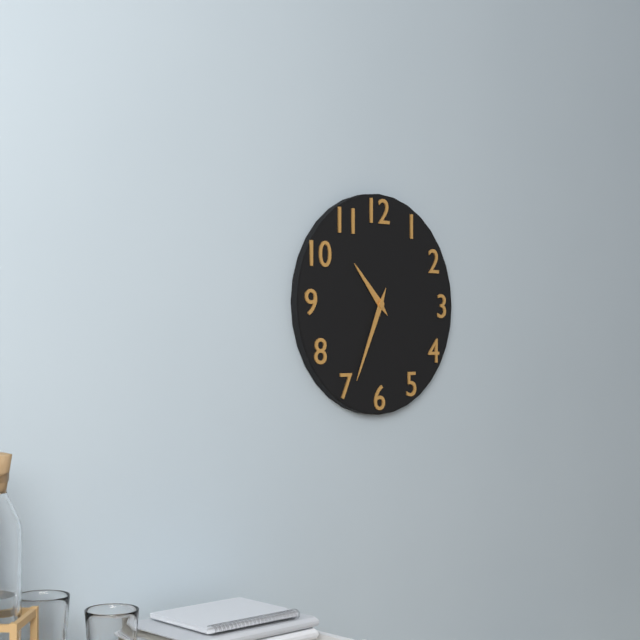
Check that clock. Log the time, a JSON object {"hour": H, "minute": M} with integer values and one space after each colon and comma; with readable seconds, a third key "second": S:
{"hour": 10, "minute": 34}
